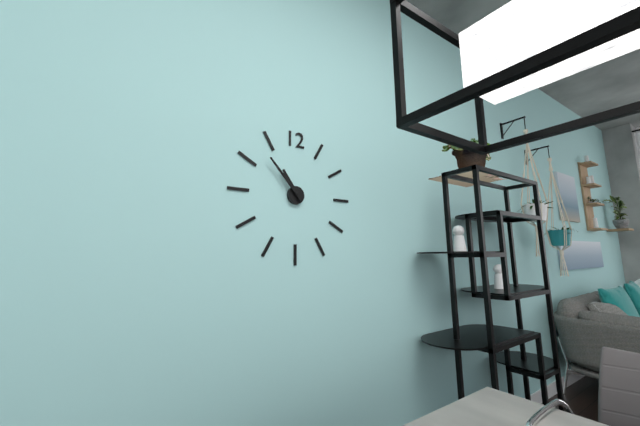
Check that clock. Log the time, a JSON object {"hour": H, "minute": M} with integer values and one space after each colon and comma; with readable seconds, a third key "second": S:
{"hour": 10, "minute": 53}
